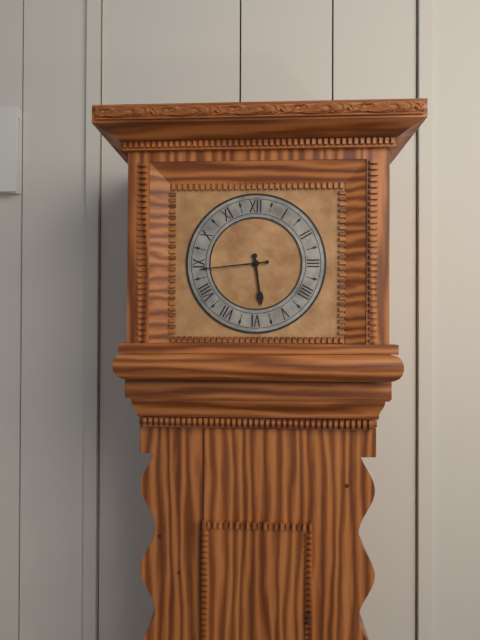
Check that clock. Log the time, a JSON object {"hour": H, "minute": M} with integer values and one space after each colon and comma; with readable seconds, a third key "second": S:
{"hour": 5, "minute": 44}
